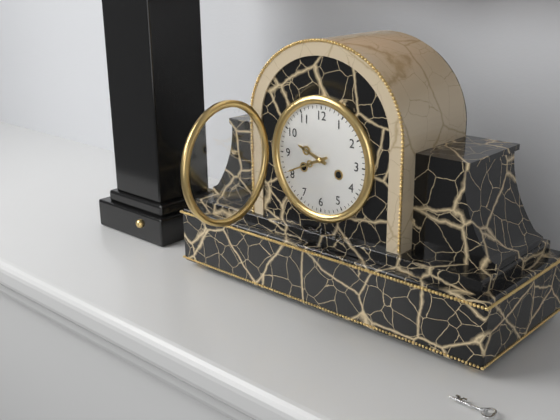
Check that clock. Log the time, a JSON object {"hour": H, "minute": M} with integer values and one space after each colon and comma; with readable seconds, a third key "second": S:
{"hour": 9, "minute": 41}
